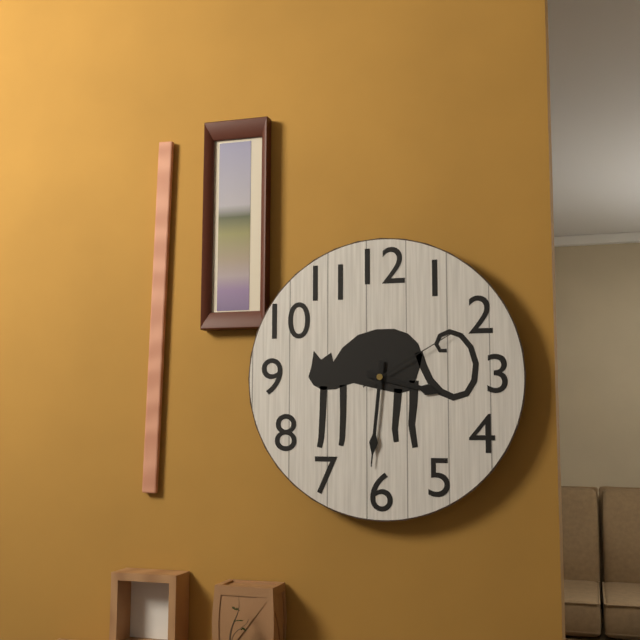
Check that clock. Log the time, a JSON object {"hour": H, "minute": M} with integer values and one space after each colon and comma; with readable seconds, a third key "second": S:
{"hour": 3, "minute": 31, "second": 10}
